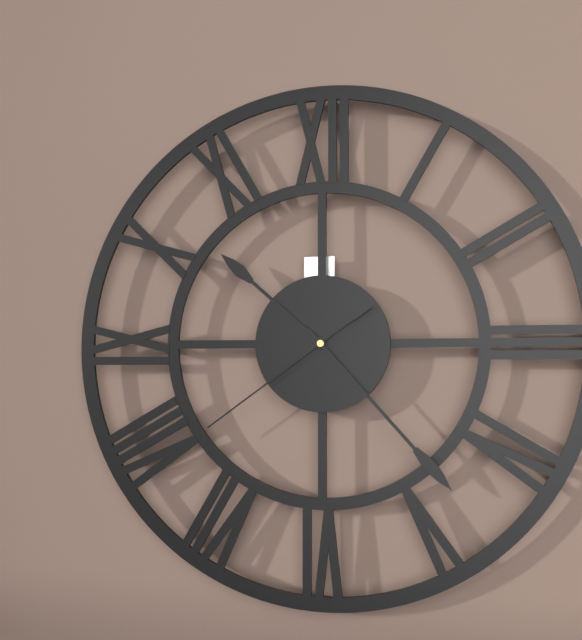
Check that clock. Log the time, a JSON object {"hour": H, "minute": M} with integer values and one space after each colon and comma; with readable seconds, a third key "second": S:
{"hour": 10, "minute": 23, "second": 39}
